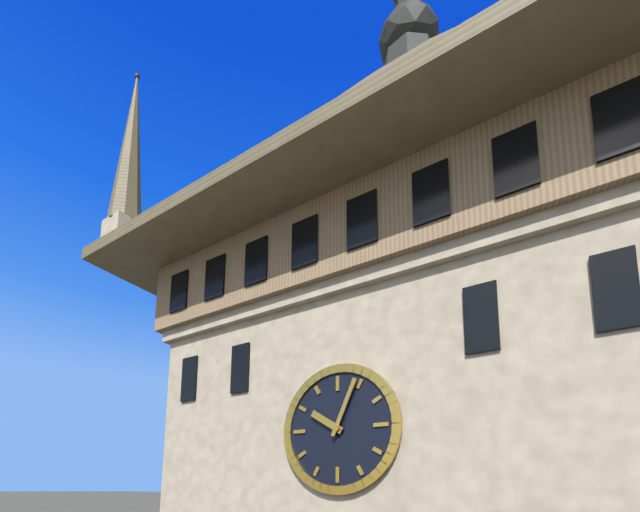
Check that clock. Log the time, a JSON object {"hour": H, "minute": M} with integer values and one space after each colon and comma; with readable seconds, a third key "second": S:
{"hour": 10, "minute": 4}
